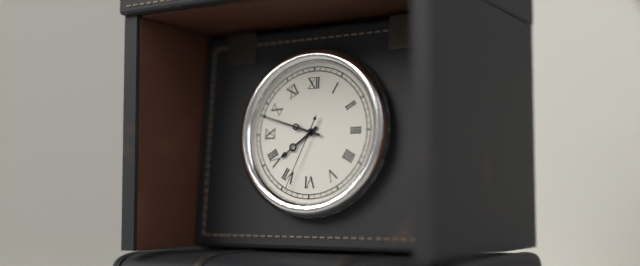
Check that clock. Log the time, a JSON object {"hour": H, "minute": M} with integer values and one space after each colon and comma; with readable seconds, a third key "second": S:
{"hour": 7, "minute": 48, "second": 34}
